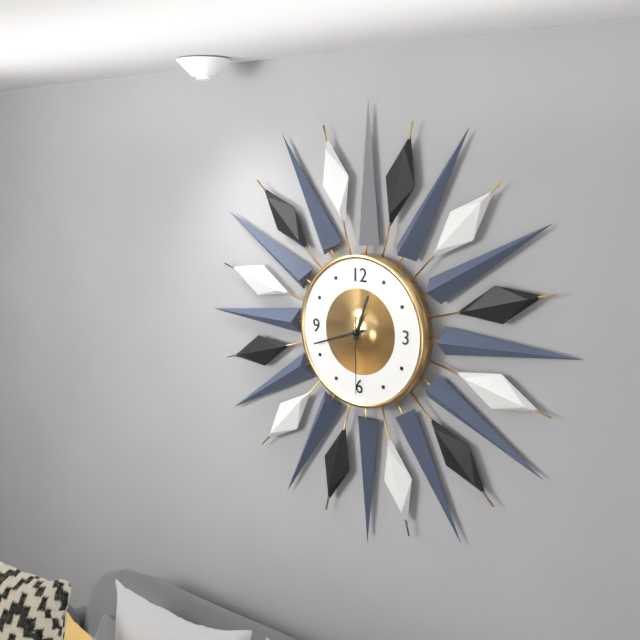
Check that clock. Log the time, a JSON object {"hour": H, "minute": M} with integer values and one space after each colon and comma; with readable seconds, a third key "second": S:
{"hour": 12, "minute": 42, "second": 30}
